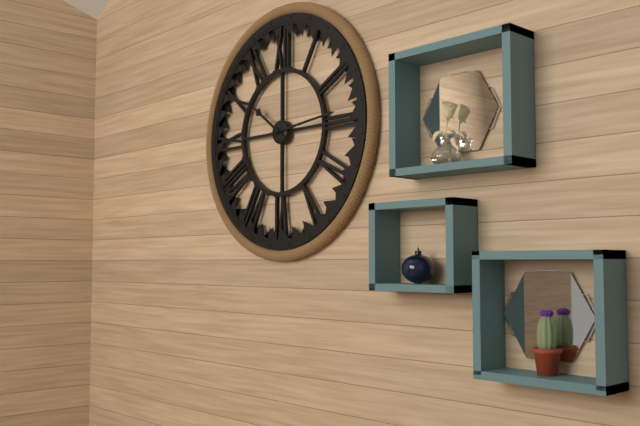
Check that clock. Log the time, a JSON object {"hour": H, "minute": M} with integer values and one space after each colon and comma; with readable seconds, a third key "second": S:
{"hour": 10, "minute": 14}
